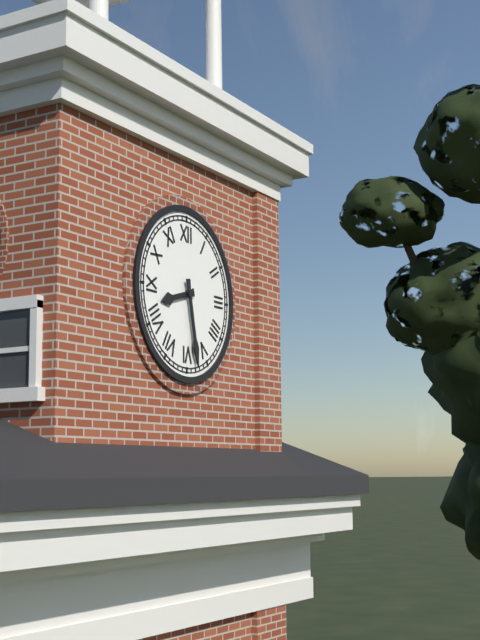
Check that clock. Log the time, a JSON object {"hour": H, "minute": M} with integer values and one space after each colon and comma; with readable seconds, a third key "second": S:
{"hour": 8, "minute": 28}
